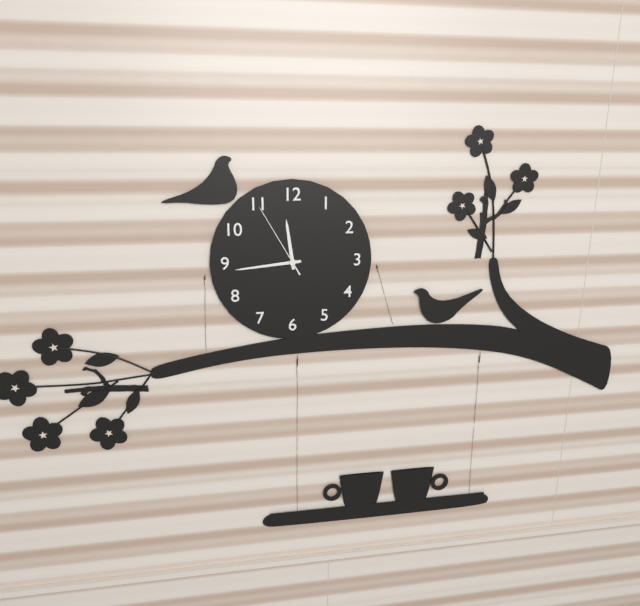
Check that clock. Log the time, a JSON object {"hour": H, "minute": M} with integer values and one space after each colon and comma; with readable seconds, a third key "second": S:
{"hour": 11, "minute": 44, "second": 55}
